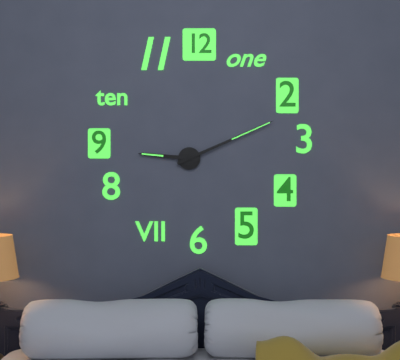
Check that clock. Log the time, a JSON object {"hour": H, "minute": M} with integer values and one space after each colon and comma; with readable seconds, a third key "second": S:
{"hour": 9, "minute": 11}
